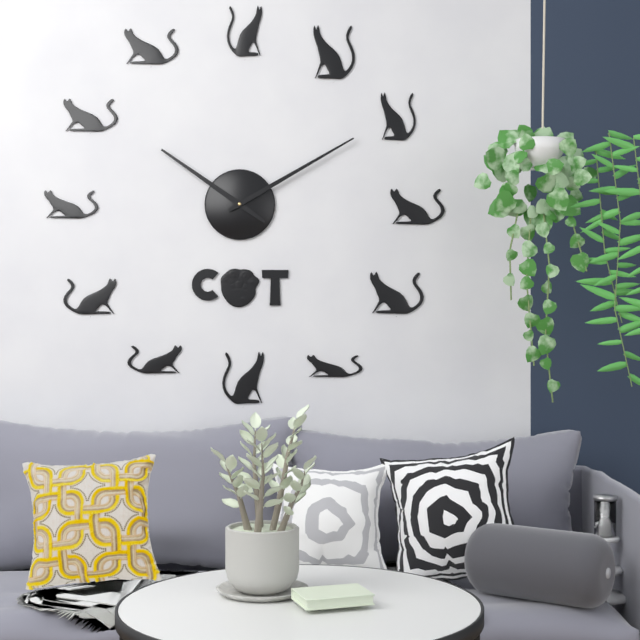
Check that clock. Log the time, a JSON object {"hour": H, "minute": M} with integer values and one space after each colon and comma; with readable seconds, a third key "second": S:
{"hour": 10, "minute": 10}
